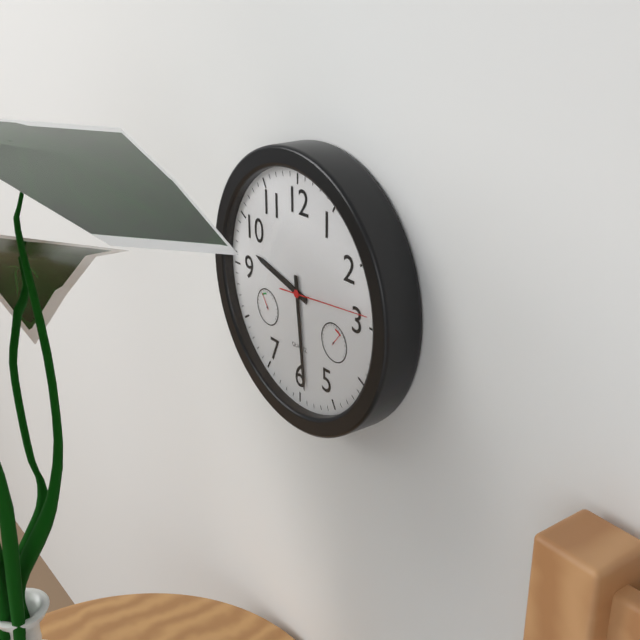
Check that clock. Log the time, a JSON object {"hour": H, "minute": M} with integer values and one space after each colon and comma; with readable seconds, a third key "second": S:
{"hour": 9, "minute": 29, "second": 14}
